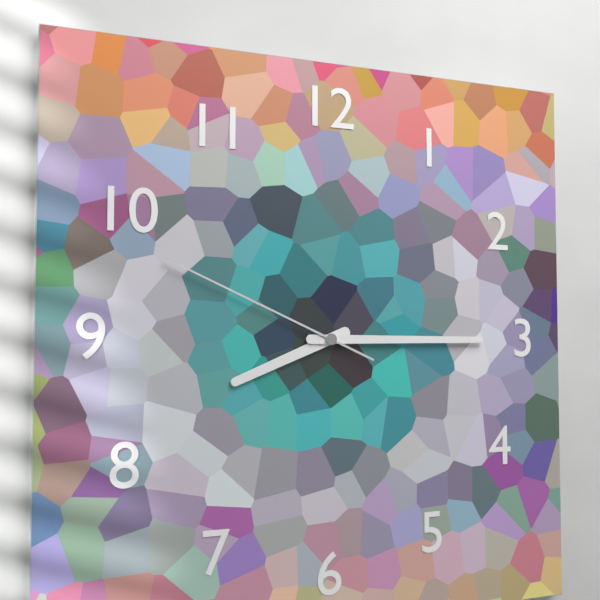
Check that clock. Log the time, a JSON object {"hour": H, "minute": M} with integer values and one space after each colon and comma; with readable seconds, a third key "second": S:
{"hour": 8, "minute": 15, "second": 49}
